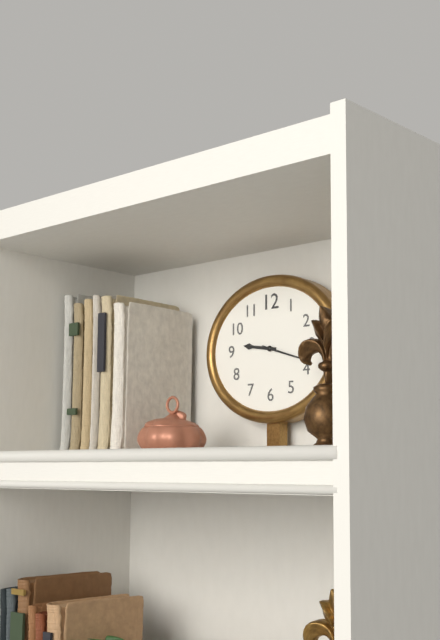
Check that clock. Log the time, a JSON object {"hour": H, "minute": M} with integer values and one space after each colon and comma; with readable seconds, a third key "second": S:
{"hour": 9, "minute": 18}
